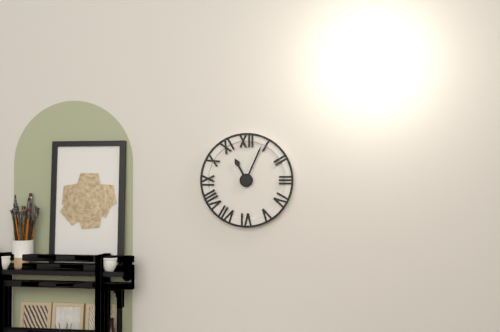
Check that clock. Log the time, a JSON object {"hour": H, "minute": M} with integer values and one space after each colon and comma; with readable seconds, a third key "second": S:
{"hour": 11, "minute": 4}
